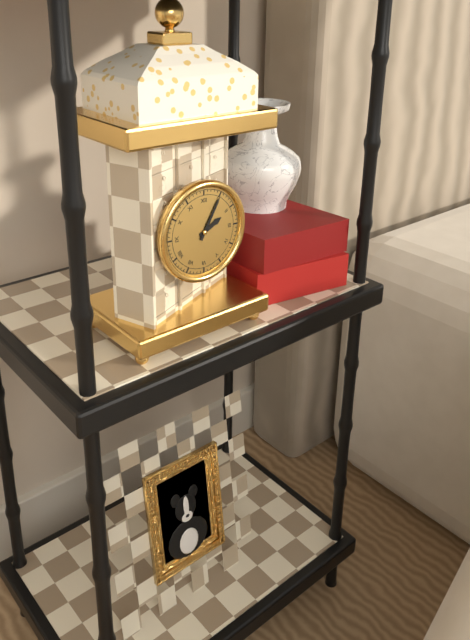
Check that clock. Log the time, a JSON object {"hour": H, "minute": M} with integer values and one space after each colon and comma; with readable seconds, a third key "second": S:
{"hour": 2, "minute": 5}
